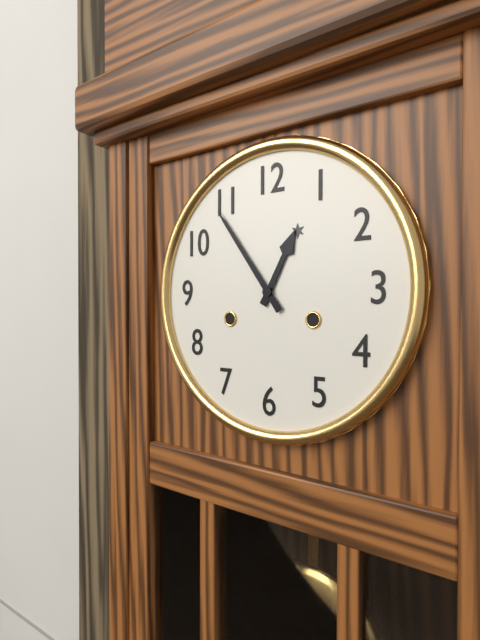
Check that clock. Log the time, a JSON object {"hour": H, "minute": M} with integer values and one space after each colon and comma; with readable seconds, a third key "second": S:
{"hour": 12, "minute": 54}
